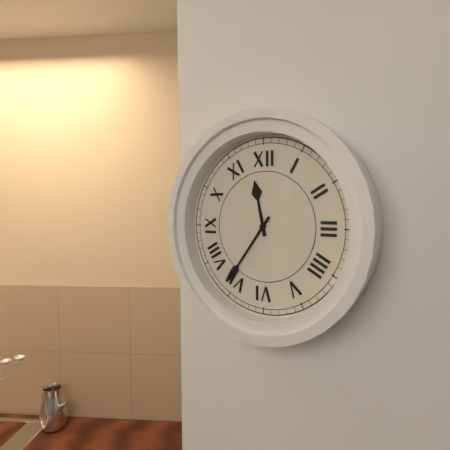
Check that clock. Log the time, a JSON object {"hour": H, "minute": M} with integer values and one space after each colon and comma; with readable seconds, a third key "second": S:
{"hour": 11, "minute": 36}
